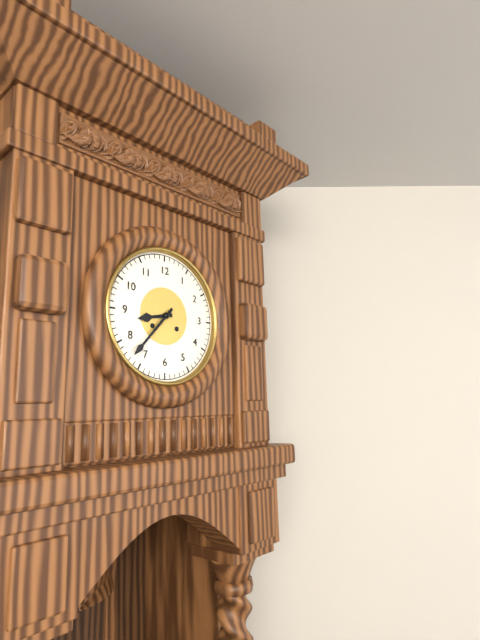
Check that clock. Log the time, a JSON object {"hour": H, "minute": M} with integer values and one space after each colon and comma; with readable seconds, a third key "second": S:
{"hour": 8, "minute": 37}
